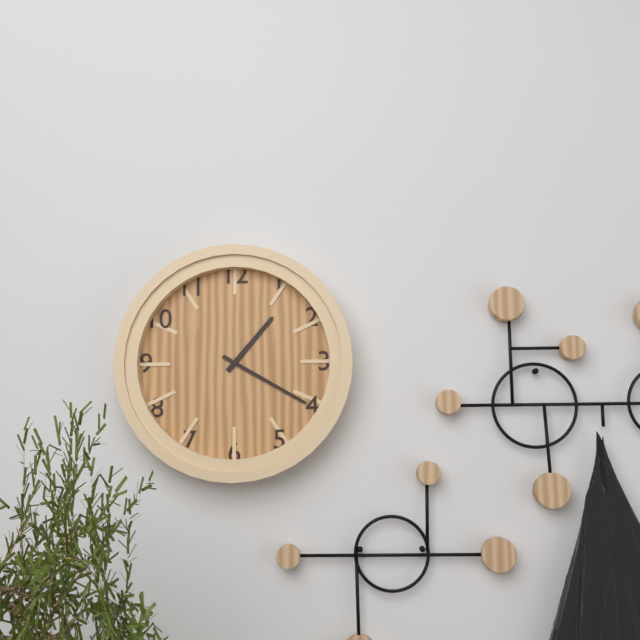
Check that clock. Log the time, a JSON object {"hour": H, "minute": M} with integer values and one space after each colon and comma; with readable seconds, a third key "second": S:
{"hour": 1, "minute": 20}
